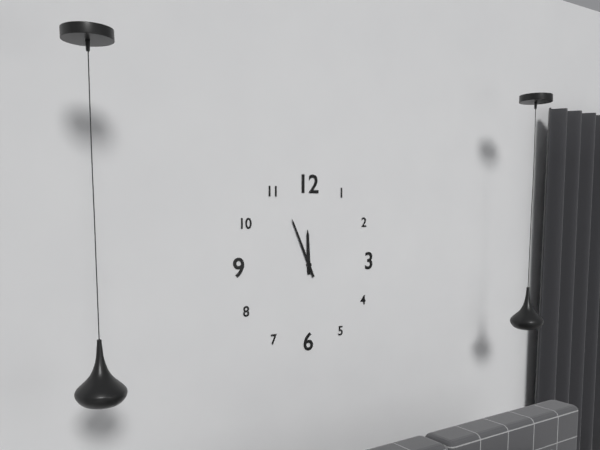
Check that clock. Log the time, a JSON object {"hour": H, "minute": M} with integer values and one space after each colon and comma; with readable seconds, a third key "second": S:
{"hour": 11, "minute": 56}
